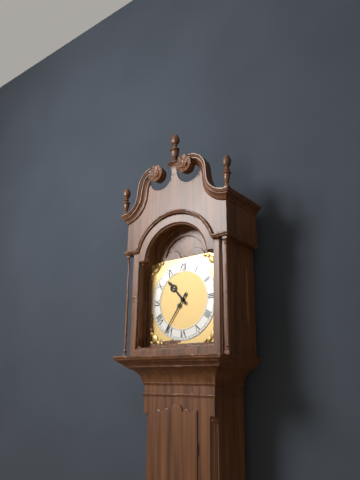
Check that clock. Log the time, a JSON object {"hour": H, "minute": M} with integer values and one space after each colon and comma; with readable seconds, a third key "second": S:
{"hour": 10, "minute": 36}
